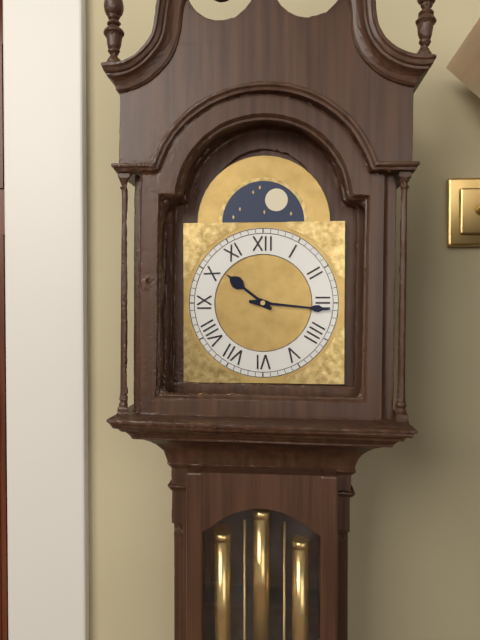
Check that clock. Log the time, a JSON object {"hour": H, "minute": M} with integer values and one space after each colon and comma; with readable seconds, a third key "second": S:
{"hour": 10, "minute": 16}
